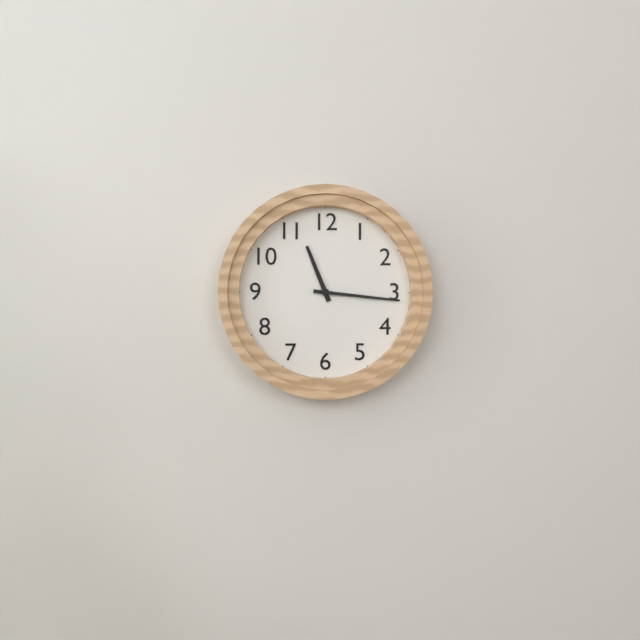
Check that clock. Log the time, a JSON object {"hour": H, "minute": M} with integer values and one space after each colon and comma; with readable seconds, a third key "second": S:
{"hour": 11, "minute": 16}
